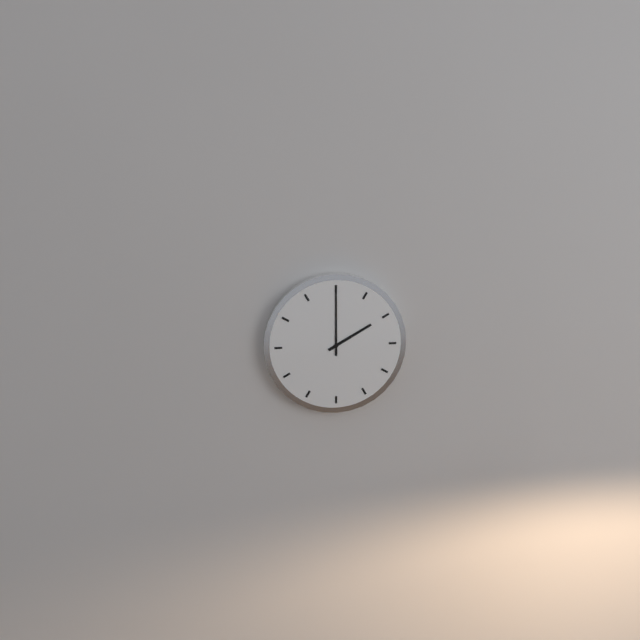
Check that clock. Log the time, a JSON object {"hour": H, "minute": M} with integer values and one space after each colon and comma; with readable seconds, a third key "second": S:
{"hour": 2, "minute": 0}
